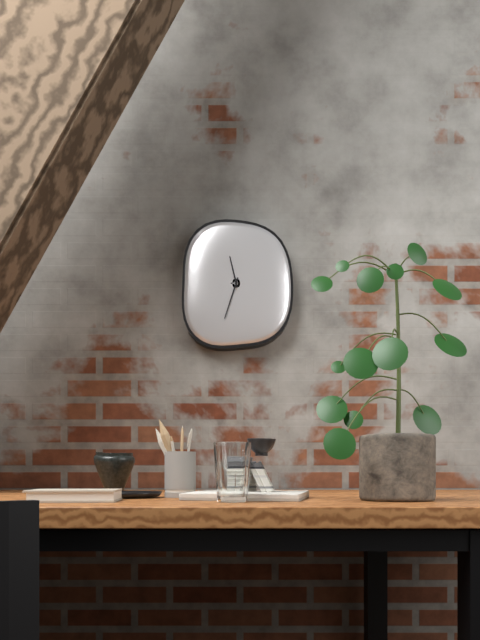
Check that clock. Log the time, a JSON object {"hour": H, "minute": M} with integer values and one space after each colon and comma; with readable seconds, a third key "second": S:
{"hour": 11, "minute": 33}
